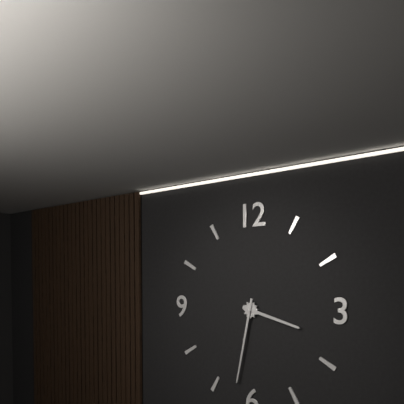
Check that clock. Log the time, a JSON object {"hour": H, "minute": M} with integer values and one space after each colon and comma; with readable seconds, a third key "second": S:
{"hour": 3, "minute": 32}
